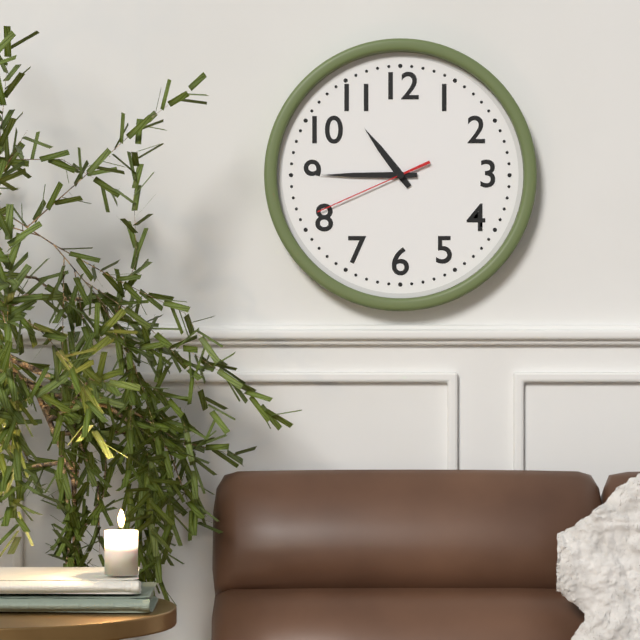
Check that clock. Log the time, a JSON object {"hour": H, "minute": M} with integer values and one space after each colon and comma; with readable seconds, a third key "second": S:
{"hour": 10, "minute": 45, "second": 41}
